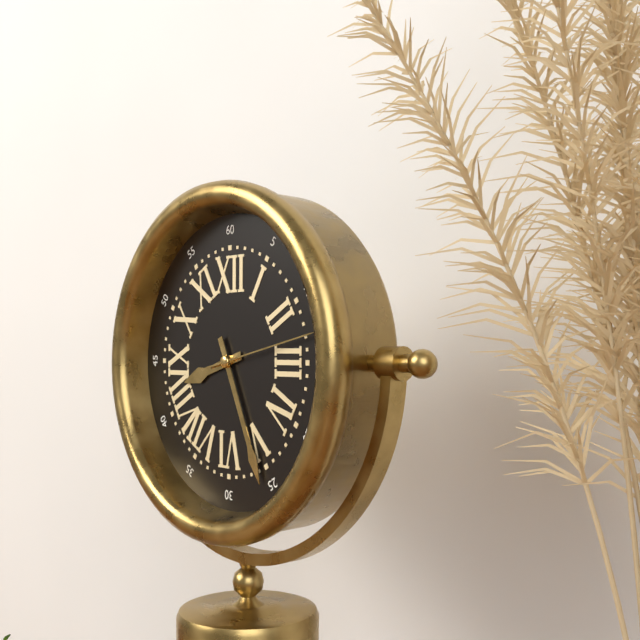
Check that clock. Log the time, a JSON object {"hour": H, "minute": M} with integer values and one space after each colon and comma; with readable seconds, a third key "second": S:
{"hour": 8, "minute": 26, "second": 13}
